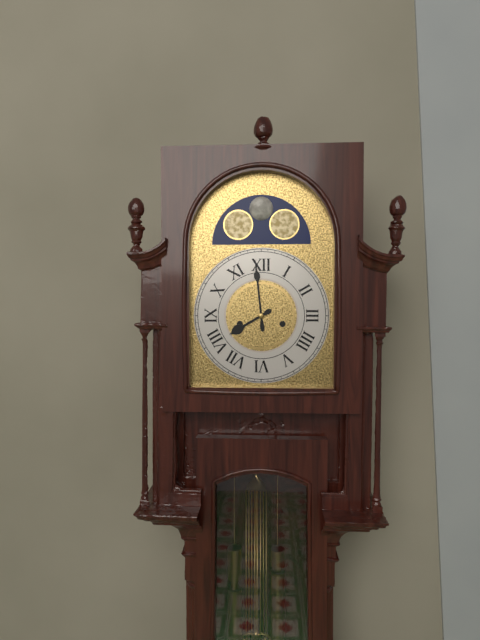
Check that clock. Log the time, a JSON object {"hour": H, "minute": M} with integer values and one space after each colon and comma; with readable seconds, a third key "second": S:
{"hour": 7, "minute": 59}
